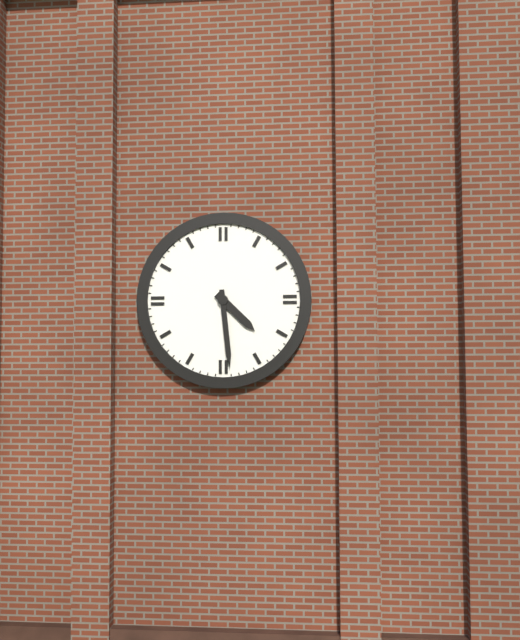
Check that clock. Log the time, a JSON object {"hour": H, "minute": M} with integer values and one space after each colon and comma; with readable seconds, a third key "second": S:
{"hour": 4, "minute": 29}
